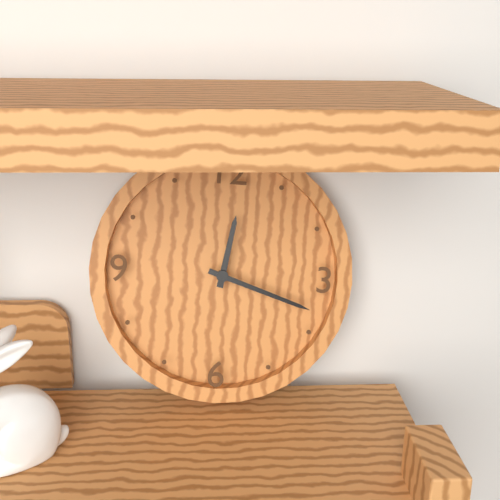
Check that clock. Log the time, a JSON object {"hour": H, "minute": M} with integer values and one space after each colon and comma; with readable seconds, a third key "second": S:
{"hour": 12, "minute": 18}
